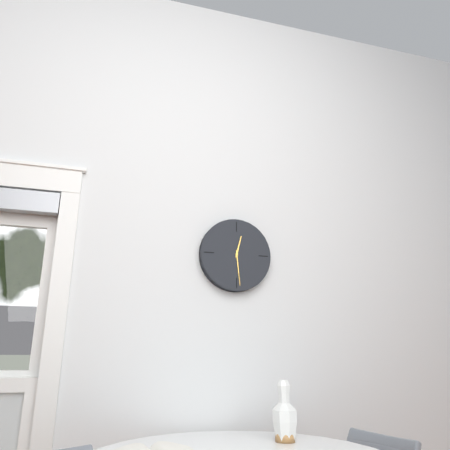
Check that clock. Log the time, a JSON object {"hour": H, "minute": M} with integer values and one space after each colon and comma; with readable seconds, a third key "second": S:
{"hour": 12, "minute": 29}
